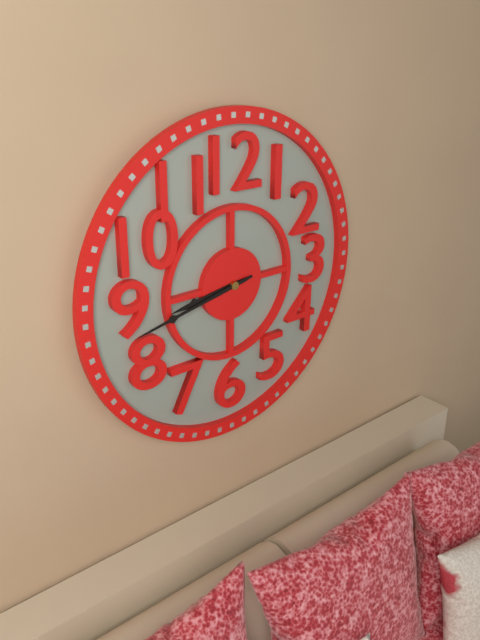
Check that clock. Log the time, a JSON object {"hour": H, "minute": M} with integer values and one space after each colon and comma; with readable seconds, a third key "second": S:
{"hour": 8, "minute": 43}
